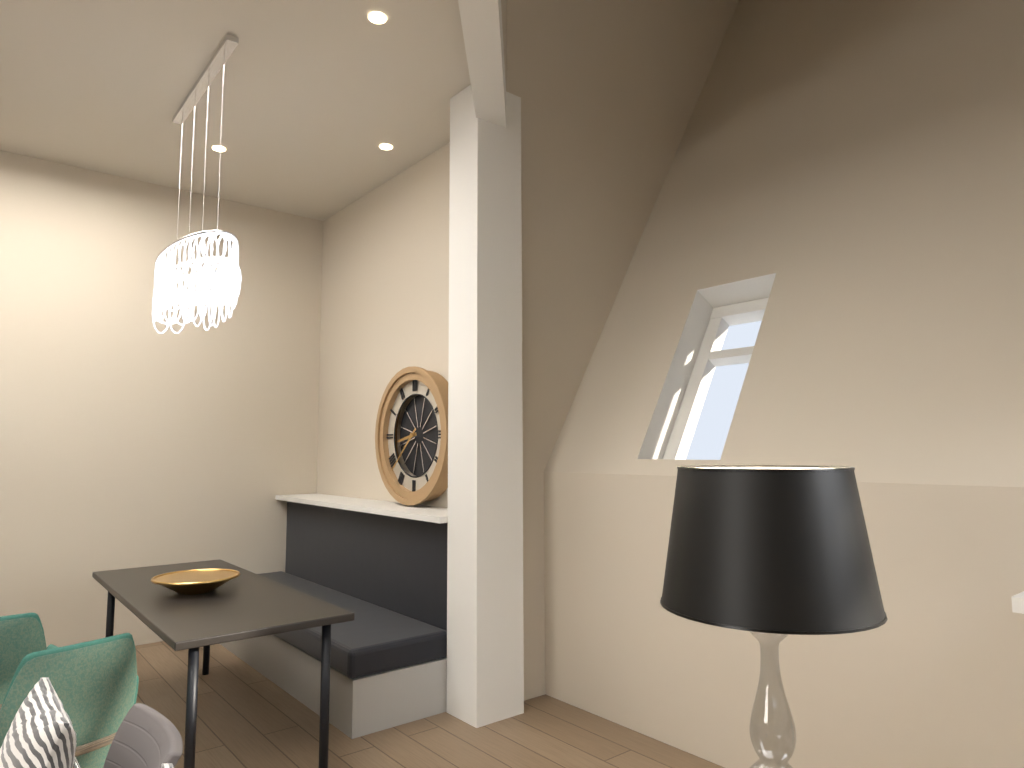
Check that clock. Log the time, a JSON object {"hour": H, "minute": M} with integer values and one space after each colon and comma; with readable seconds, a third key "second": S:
{"hour": 8, "minute": 38}
